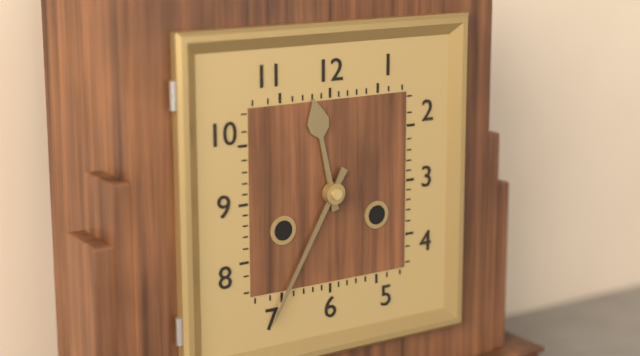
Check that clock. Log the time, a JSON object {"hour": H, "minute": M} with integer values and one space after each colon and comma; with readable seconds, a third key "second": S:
{"hour": 11, "minute": 35}
